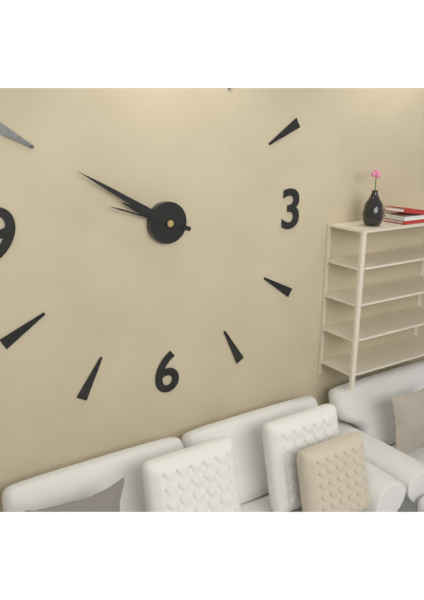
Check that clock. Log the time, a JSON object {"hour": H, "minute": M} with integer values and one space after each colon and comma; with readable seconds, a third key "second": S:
{"hour": 9, "minute": 50, "second": 48}
